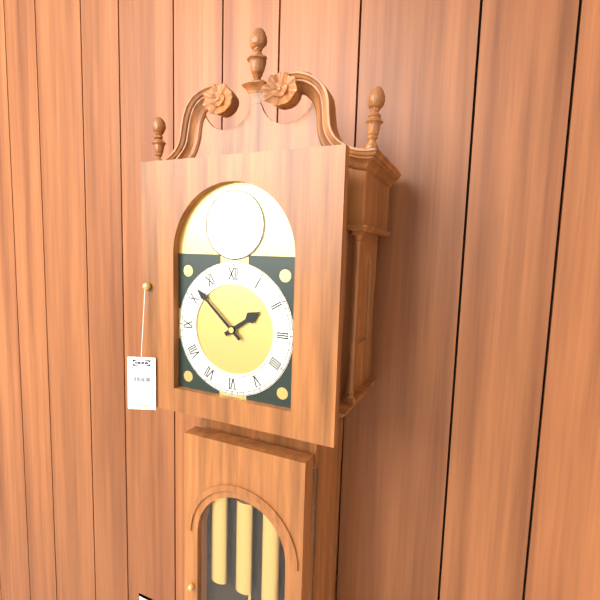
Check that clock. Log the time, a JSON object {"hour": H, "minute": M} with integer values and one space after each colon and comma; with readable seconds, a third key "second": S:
{"hour": 1, "minute": 52}
